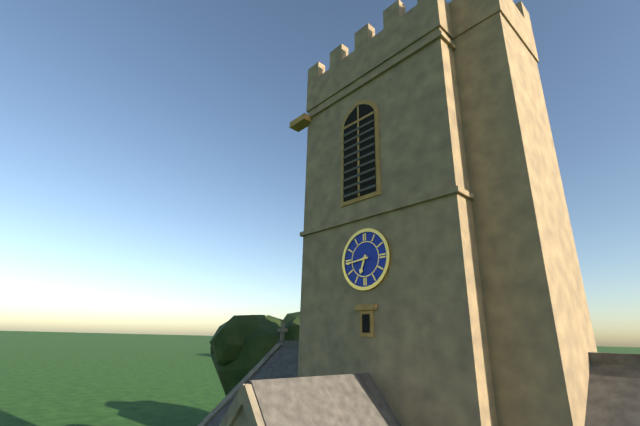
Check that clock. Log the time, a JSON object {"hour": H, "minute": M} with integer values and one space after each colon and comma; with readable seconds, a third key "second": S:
{"hour": 6, "minute": 44}
